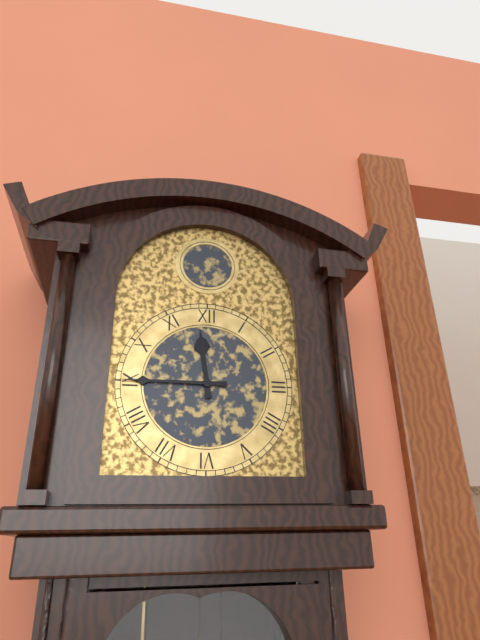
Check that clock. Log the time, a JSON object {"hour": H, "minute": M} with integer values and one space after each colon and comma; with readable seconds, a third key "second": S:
{"hour": 11, "minute": 45}
